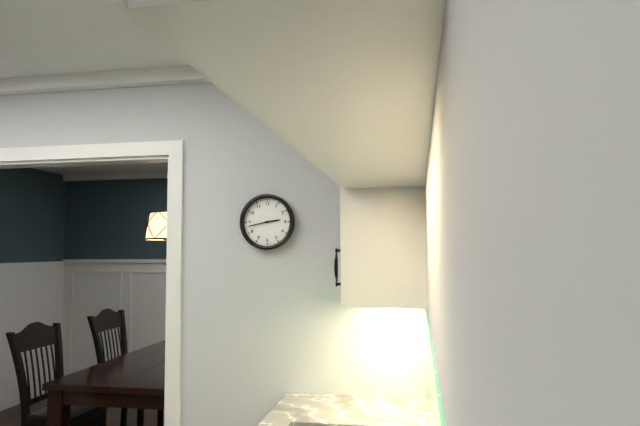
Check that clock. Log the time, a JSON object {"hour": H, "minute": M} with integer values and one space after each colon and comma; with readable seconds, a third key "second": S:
{"hour": 2, "minute": 43}
